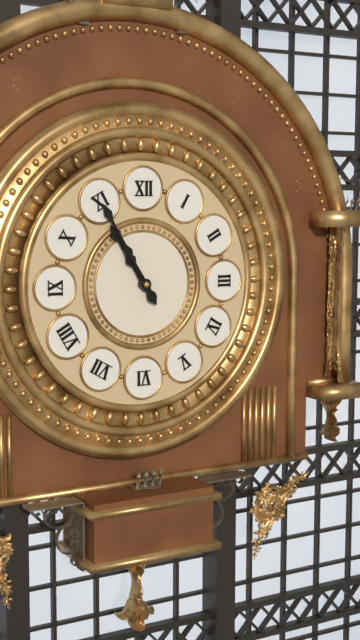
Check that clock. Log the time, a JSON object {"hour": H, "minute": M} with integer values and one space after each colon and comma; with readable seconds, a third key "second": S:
{"hour": 10, "minute": 55}
